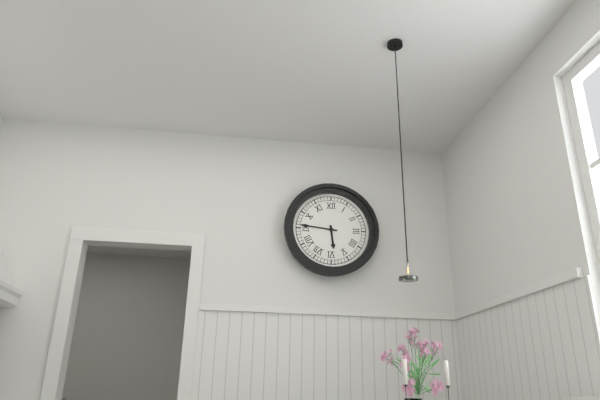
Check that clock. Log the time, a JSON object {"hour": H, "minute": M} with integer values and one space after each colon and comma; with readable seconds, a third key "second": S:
{"hour": 5, "minute": 46}
